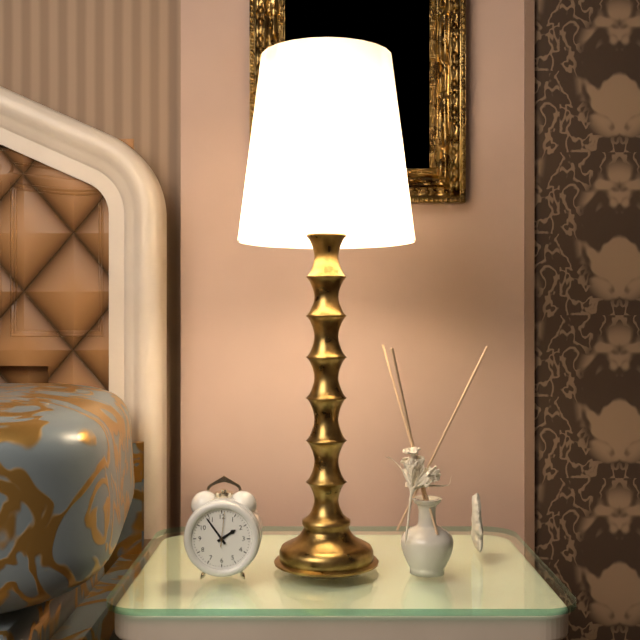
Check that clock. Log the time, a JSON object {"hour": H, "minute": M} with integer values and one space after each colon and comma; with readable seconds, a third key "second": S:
{"hour": 1, "minute": 54}
